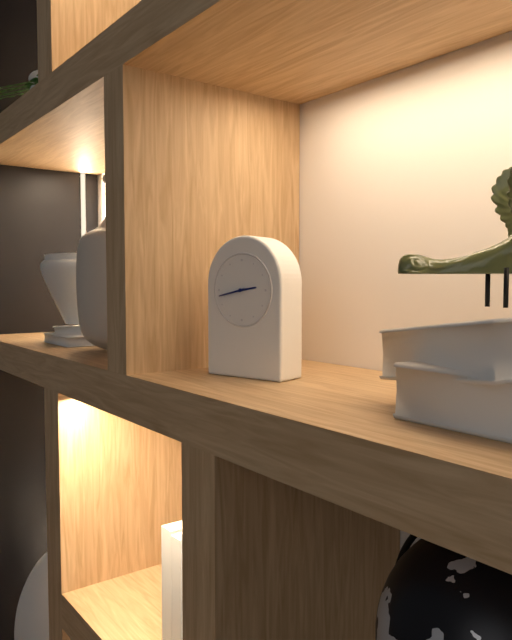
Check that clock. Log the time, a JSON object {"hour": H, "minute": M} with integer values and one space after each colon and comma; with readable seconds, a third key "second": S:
{"hour": 2, "minute": 43}
